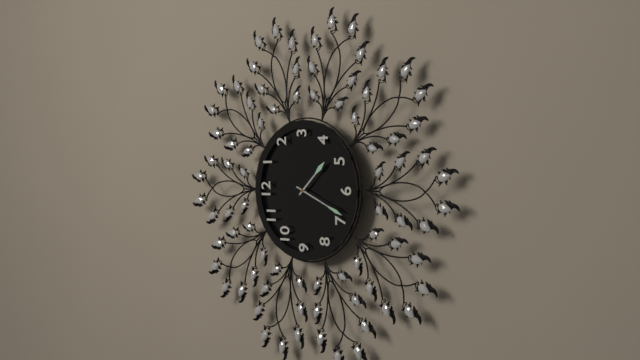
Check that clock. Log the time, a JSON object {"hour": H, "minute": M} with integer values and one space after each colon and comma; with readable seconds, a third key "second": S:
{"hour": 4, "minute": 34}
